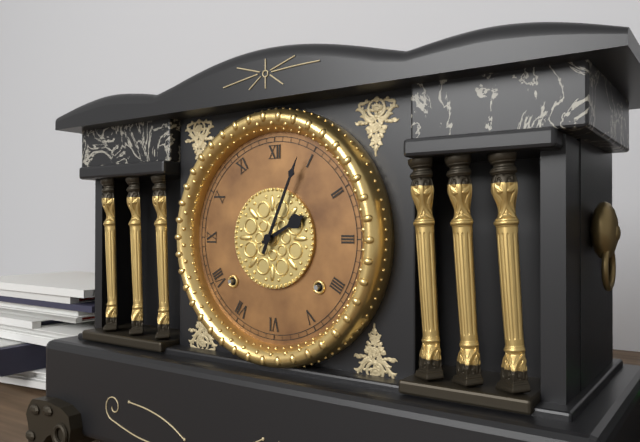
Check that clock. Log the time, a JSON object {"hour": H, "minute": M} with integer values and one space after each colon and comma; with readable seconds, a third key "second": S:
{"hour": 2, "minute": 4}
